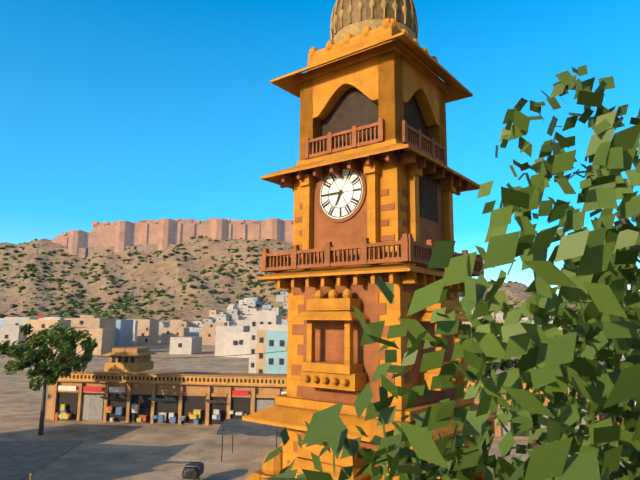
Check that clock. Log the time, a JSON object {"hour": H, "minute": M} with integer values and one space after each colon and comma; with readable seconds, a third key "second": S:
{"hour": 6, "minute": 45}
